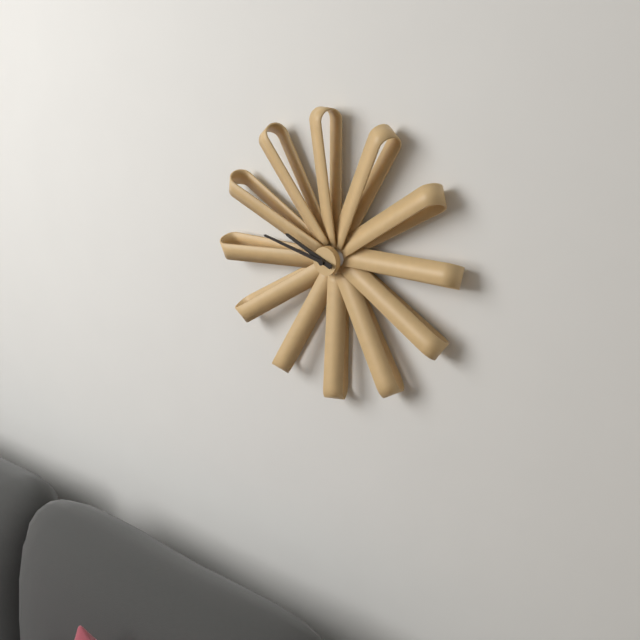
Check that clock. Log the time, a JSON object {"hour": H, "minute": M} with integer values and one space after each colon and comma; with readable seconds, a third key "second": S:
{"hour": 9, "minute": 47}
